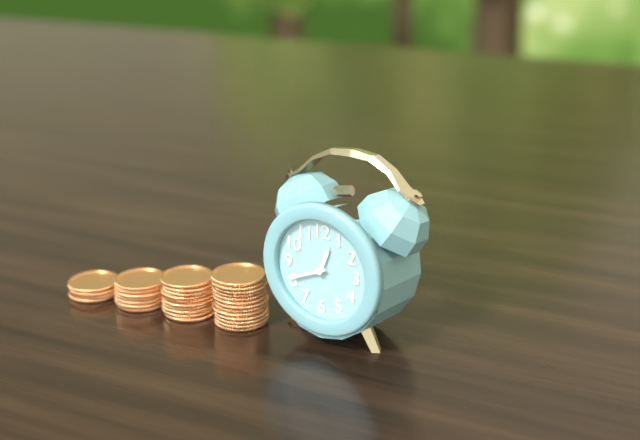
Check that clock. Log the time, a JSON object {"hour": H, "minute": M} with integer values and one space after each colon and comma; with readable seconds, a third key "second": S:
{"hour": 12, "minute": 41}
